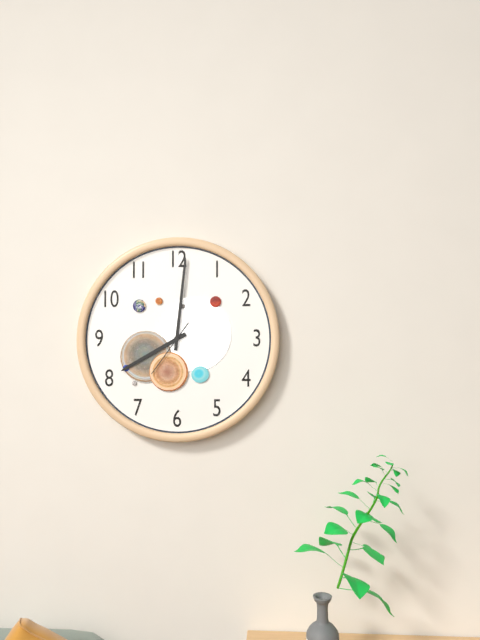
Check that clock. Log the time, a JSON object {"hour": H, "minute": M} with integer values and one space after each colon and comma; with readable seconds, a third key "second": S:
{"hour": 8, "minute": 1, "second": 36}
